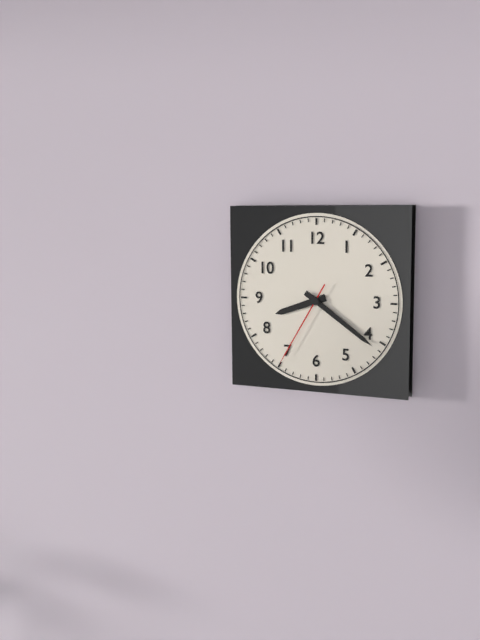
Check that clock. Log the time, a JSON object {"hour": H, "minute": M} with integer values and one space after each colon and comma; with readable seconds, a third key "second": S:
{"hour": 8, "minute": 21, "second": 35}
